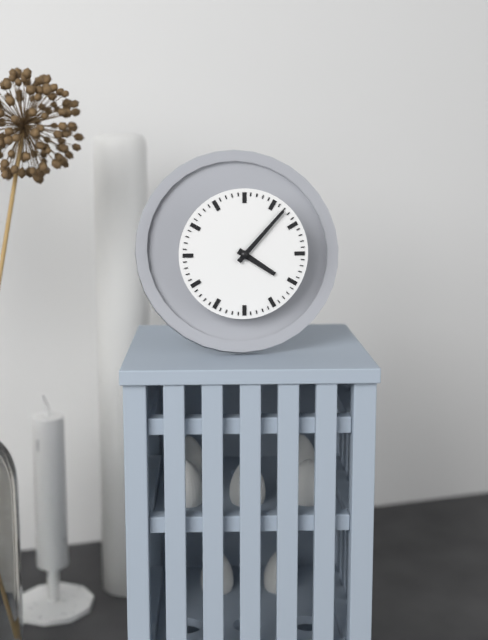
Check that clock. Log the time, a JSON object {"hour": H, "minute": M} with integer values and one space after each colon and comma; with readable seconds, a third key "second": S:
{"hour": 4, "minute": 7}
